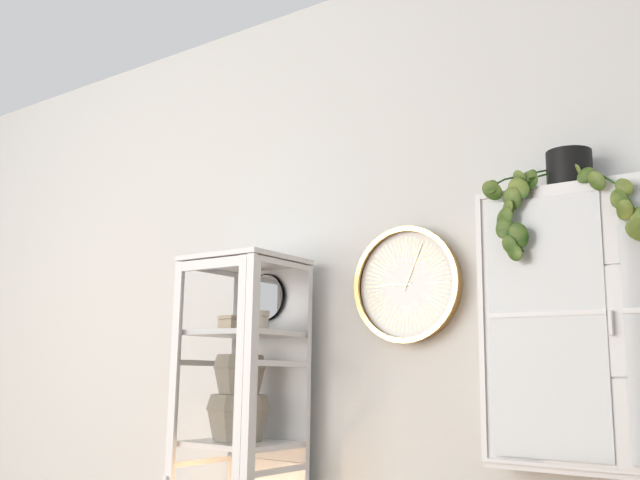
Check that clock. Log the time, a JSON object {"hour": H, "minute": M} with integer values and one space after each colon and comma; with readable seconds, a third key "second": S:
{"hour": 9, "minute": 4}
